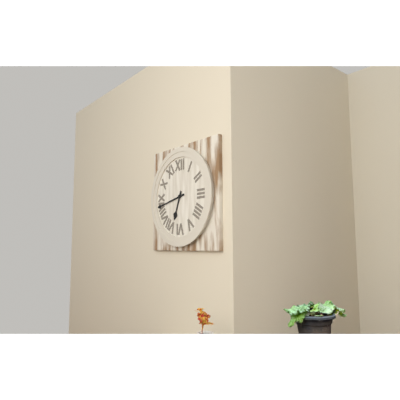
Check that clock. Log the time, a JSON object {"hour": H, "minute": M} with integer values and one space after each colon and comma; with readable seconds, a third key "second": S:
{"hour": 6, "minute": 43}
